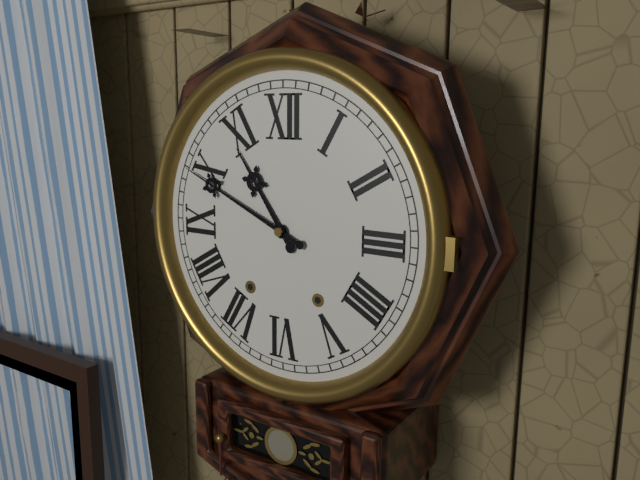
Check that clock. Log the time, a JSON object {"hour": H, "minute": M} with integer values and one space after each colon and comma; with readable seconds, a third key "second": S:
{"hour": 10, "minute": 49}
